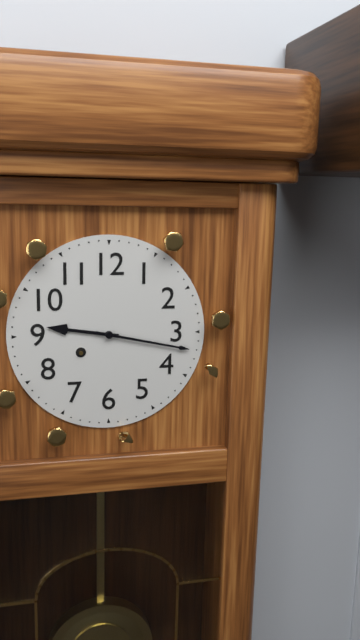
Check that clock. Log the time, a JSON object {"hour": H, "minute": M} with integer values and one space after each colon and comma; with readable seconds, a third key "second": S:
{"hour": 9, "minute": 17}
